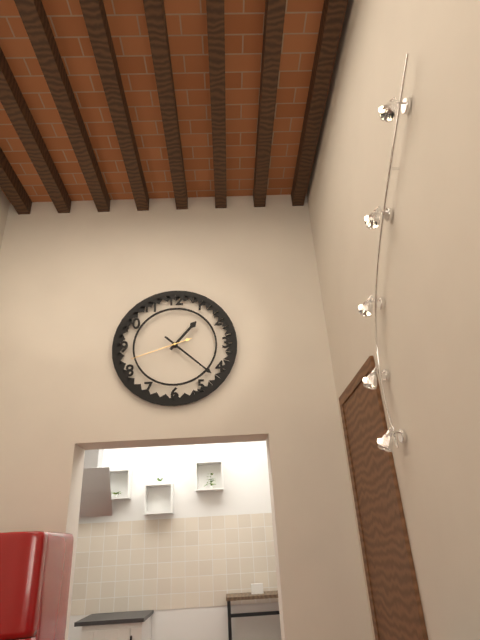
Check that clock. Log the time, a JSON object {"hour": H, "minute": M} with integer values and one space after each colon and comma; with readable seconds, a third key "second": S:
{"hour": 1, "minute": 22, "second": 42}
